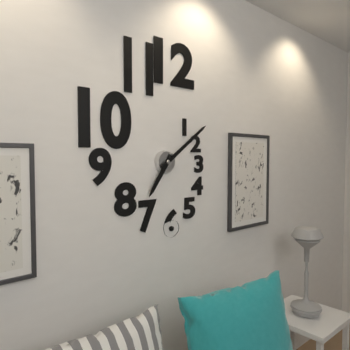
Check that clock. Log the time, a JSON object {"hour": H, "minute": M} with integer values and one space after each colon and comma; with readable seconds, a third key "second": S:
{"hour": 7, "minute": 9}
